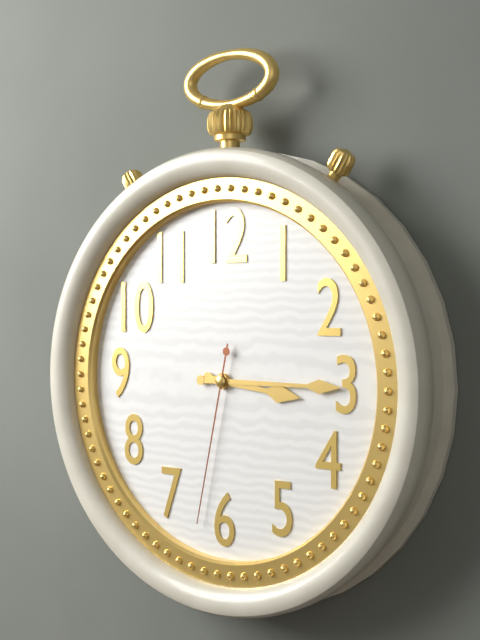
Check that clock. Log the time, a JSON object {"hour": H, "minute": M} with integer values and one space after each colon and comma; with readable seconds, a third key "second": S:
{"hour": 3, "minute": 15, "second": 32}
